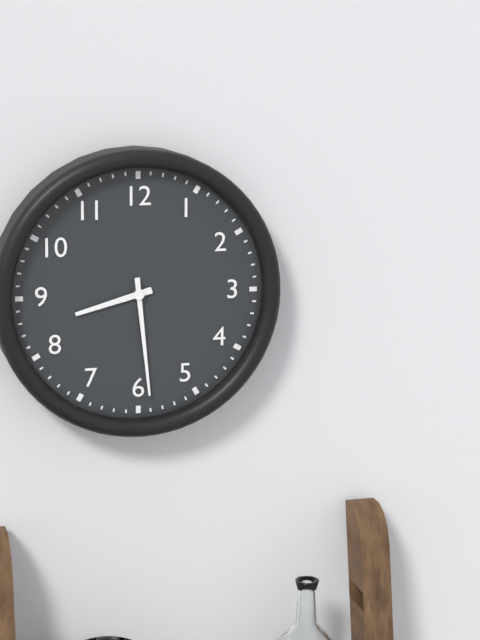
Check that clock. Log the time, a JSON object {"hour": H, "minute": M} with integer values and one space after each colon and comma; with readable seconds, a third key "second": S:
{"hour": 8, "minute": 29}
